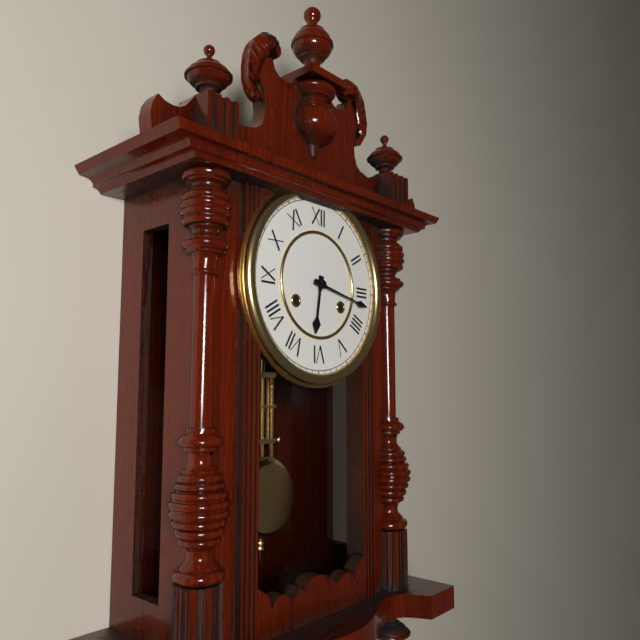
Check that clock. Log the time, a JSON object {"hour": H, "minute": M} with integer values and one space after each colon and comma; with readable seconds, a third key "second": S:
{"hour": 6, "minute": 17}
